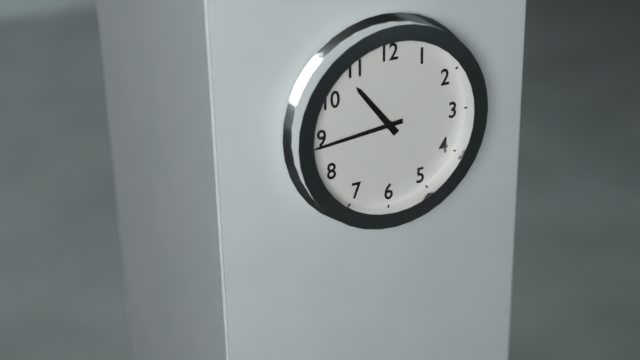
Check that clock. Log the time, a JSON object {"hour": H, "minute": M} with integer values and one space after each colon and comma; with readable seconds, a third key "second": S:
{"hour": 10, "minute": 44}
